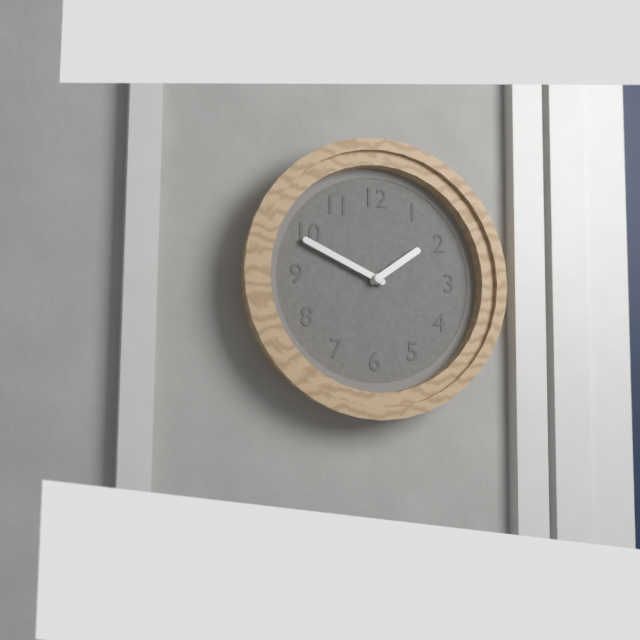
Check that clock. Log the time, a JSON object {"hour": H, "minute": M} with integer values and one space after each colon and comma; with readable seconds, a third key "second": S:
{"hour": 1, "minute": 49}
